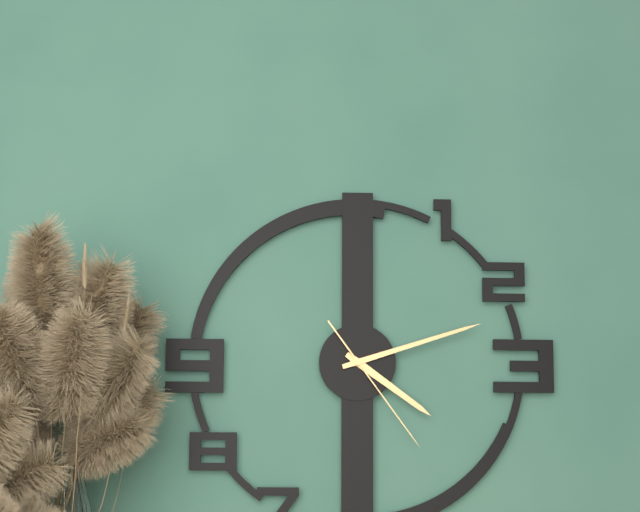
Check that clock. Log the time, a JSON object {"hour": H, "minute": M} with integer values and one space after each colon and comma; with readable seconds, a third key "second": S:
{"hour": 4, "minute": 12, "second": 24}
